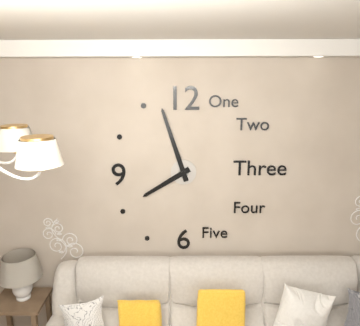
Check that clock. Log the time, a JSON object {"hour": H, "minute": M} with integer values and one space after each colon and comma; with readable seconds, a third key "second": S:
{"hour": 7, "minute": 57}
